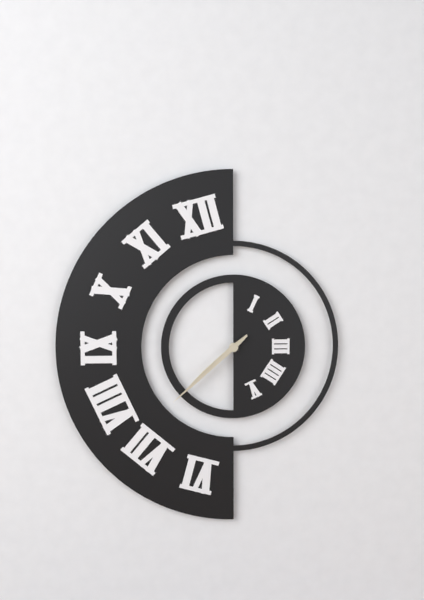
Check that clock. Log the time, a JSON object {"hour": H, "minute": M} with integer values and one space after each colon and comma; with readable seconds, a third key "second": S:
{"hour": 7, "minute": 38}
